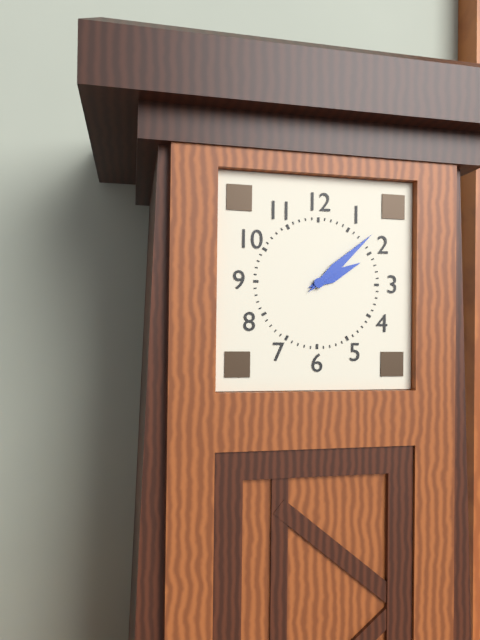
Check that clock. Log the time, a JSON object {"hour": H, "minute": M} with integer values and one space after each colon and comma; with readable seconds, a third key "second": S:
{"hour": 2, "minute": 8}
